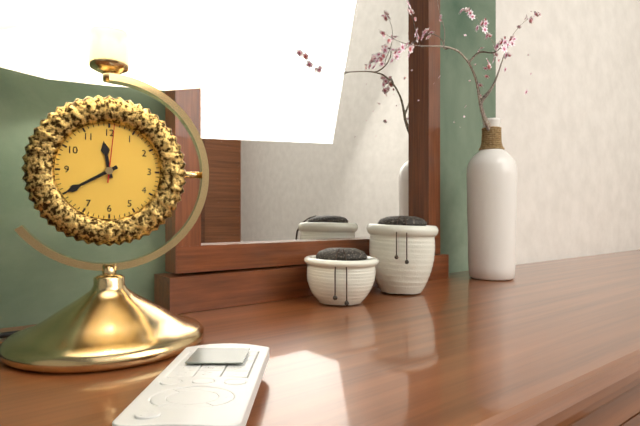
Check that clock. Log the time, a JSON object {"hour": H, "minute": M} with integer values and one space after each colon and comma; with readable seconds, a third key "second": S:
{"hour": 11, "minute": 40, "second": 1}
